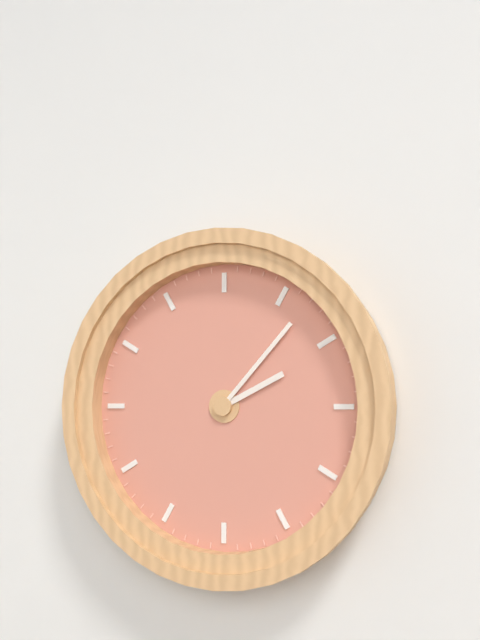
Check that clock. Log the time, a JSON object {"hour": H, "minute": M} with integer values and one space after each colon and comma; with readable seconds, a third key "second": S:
{"hour": 2, "minute": 7}
